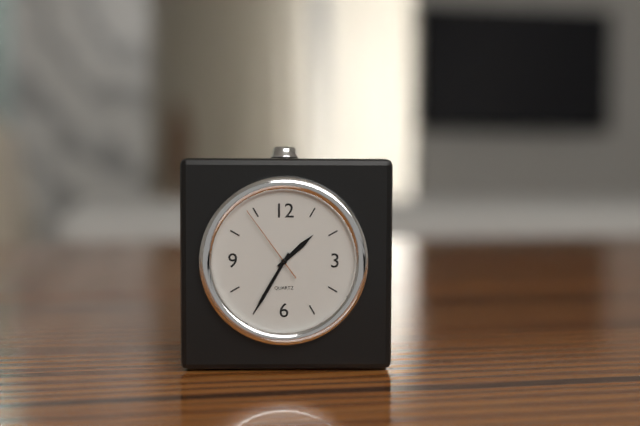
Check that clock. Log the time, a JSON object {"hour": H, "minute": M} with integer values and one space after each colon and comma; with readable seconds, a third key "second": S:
{"hour": 1, "minute": 35, "second": 54}
